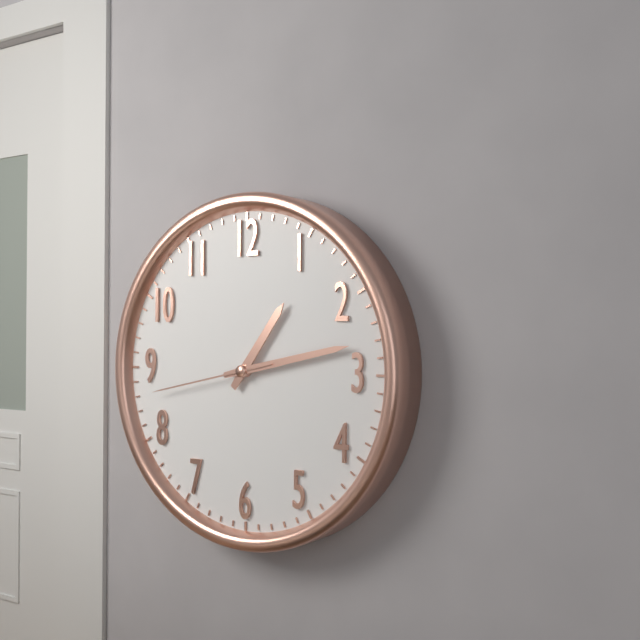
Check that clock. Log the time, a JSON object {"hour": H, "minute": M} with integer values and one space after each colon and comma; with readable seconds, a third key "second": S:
{"hour": 1, "minute": 13, "second": 43}
